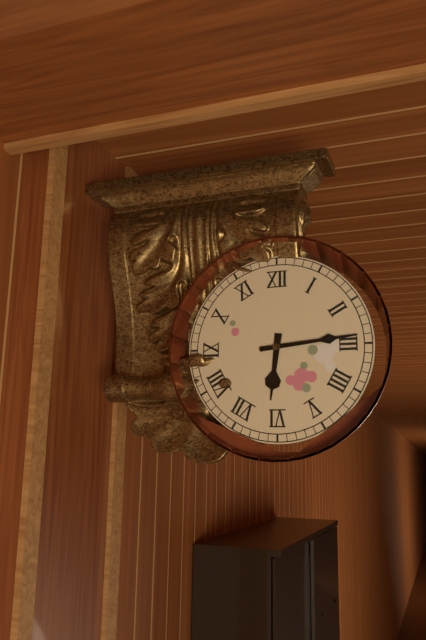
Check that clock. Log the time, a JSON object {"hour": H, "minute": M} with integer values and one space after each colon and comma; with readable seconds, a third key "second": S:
{"hour": 6, "minute": 14}
